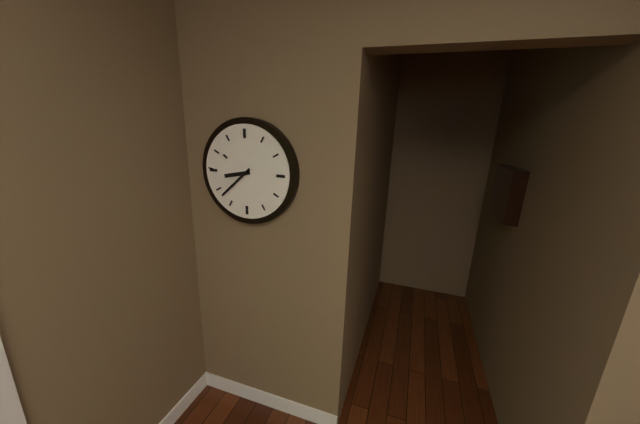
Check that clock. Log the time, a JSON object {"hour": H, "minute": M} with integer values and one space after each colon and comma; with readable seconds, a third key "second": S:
{"hour": 8, "minute": 38}
